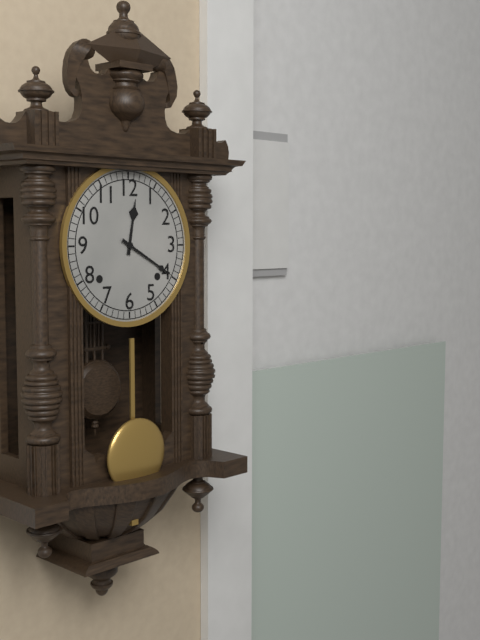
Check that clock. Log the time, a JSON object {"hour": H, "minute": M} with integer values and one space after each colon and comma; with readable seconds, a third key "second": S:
{"hour": 12, "minute": 20}
